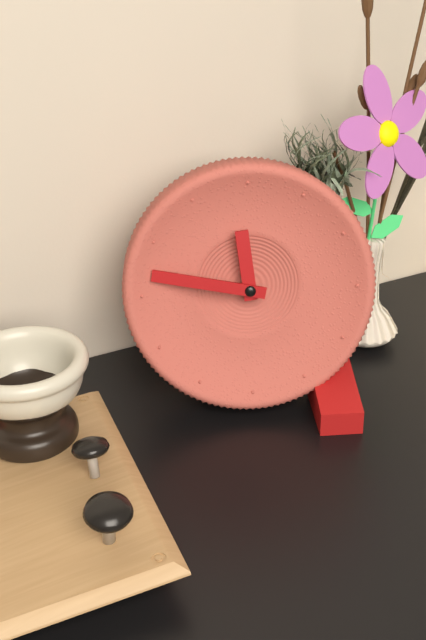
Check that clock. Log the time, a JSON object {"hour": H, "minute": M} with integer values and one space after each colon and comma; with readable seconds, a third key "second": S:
{"hour": 11, "minute": 47}
